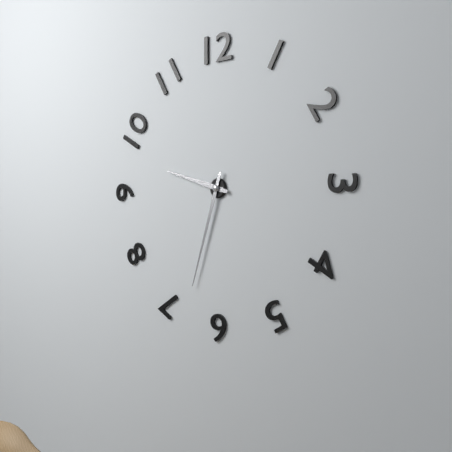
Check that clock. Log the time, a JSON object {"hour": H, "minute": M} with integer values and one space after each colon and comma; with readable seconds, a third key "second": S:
{"hour": 9, "minute": 33}
